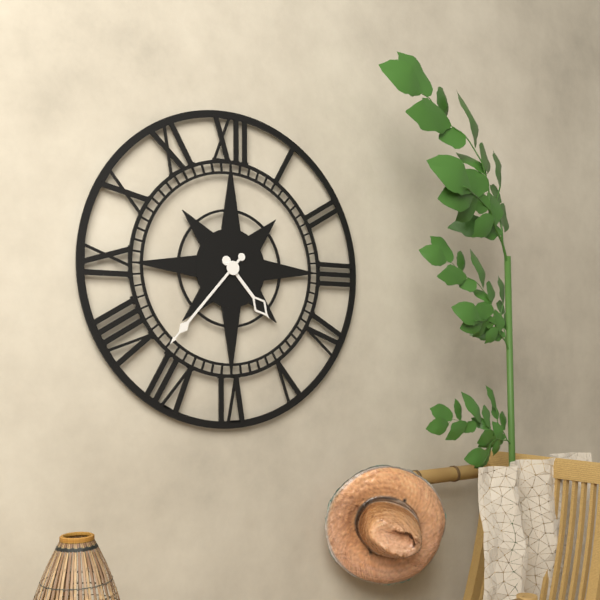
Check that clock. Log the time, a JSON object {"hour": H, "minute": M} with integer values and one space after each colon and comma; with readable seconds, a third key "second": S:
{"hour": 4, "minute": 37}
